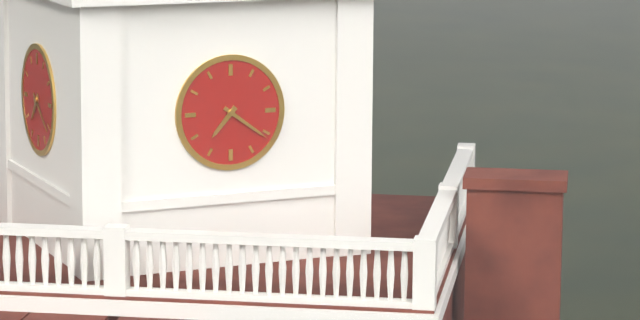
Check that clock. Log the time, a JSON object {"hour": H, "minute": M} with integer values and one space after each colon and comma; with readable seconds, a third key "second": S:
{"hour": 7, "minute": 21}
